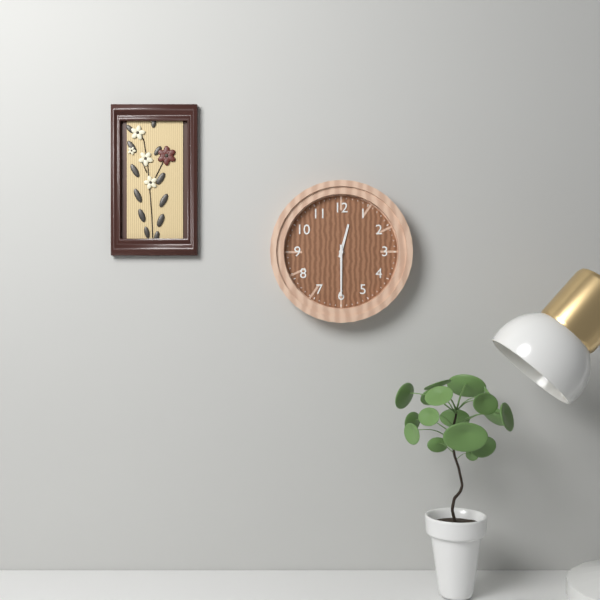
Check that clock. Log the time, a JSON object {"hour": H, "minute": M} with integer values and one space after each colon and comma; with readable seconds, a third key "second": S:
{"hour": 12, "minute": 30}
